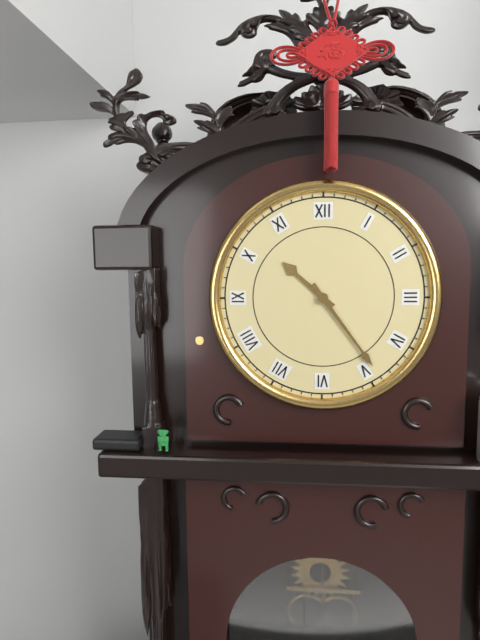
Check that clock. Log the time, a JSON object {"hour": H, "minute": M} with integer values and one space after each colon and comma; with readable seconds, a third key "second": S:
{"hour": 10, "minute": 24}
